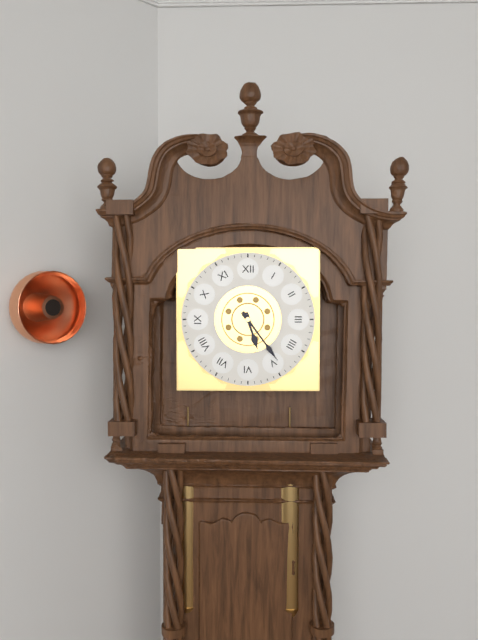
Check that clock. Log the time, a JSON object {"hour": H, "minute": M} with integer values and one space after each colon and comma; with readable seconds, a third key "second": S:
{"hour": 5, "minute": 24}
